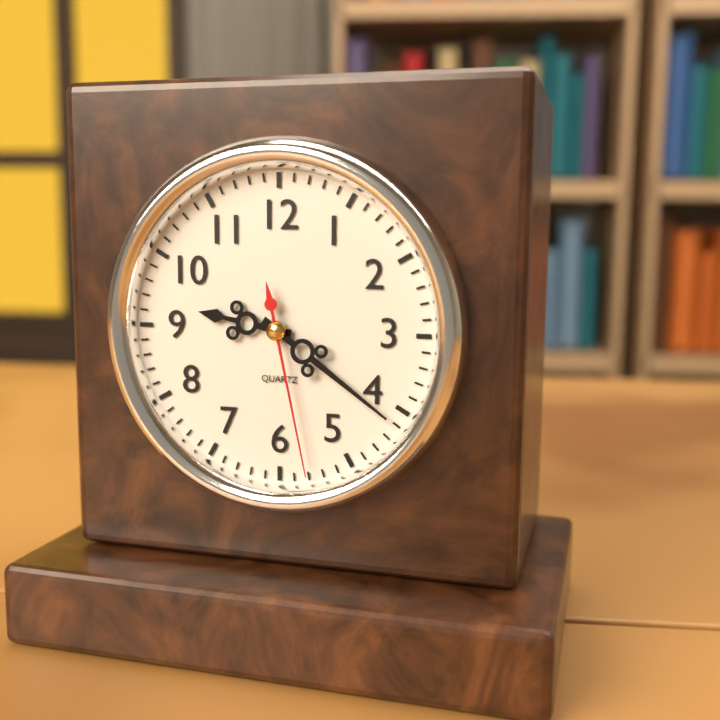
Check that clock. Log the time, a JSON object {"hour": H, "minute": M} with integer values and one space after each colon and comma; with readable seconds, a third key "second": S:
{"hour": 9, "minute": 21, "second": 28}
